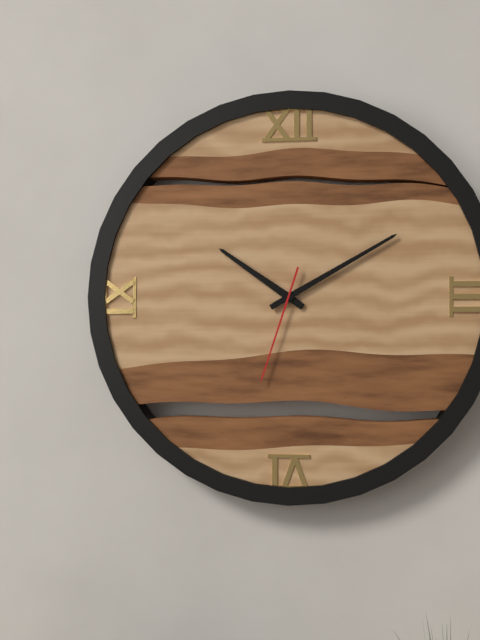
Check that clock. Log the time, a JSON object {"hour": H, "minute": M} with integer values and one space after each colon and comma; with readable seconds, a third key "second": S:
{"hour": 10, "minute": 10, "second": 33}
